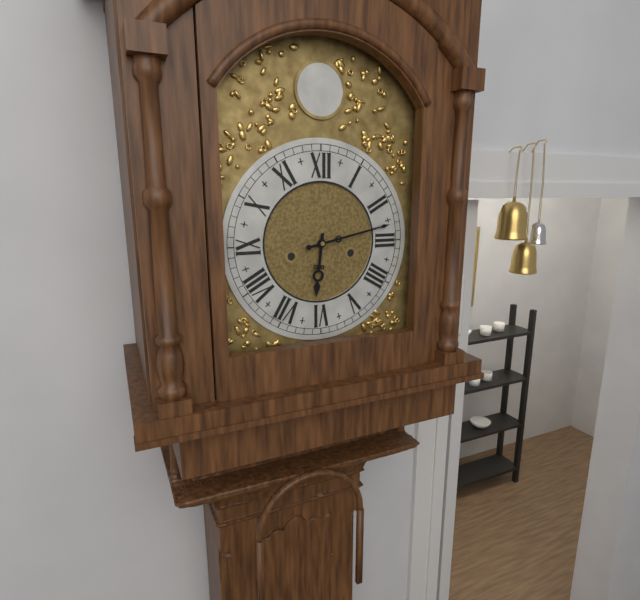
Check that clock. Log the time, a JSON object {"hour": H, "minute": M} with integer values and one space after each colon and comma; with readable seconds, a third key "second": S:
{"hour": 6, "minute": 13}
